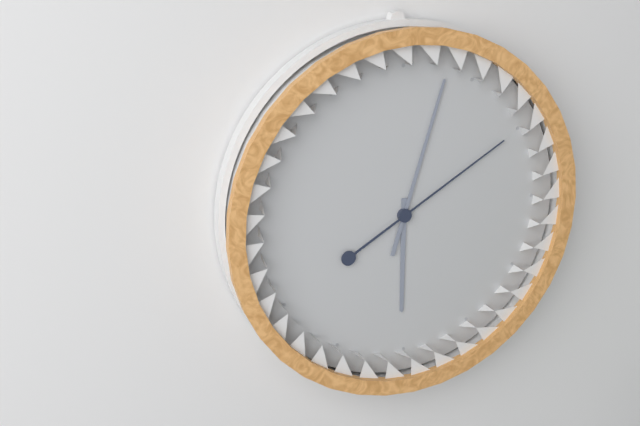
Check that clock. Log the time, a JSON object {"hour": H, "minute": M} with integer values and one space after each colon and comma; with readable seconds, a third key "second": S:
{"hour": 6, "minute": 3, "second": 10}
